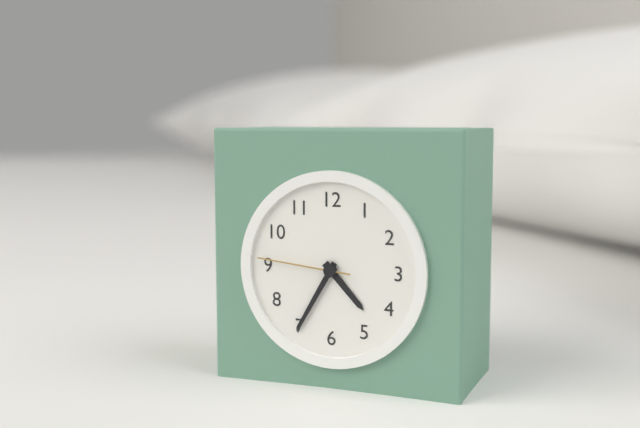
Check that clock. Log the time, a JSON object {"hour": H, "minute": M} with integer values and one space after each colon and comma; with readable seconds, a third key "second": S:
{"hour": 4, "minute": 35, "second": 46}
